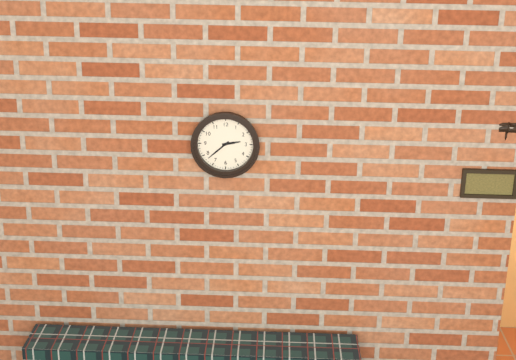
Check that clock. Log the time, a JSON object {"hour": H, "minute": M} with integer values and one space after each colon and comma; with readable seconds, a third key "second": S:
{"hour": 2, "minute": 38}
